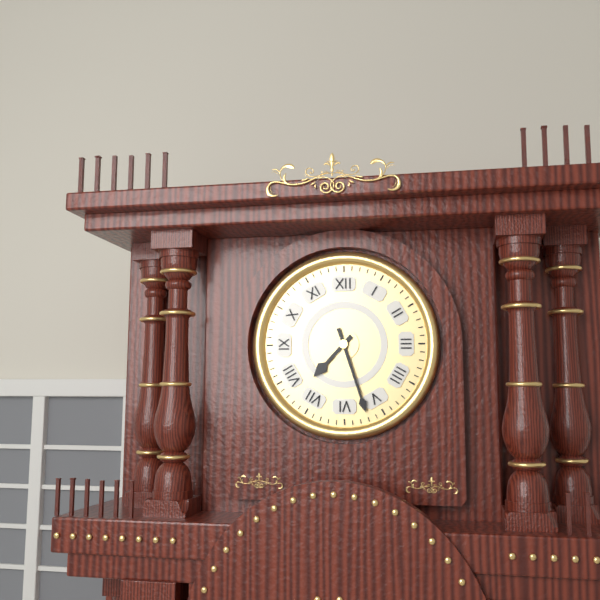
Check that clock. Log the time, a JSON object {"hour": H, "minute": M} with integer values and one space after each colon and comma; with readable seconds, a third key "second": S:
{"hour": 7, "minute": 27}
